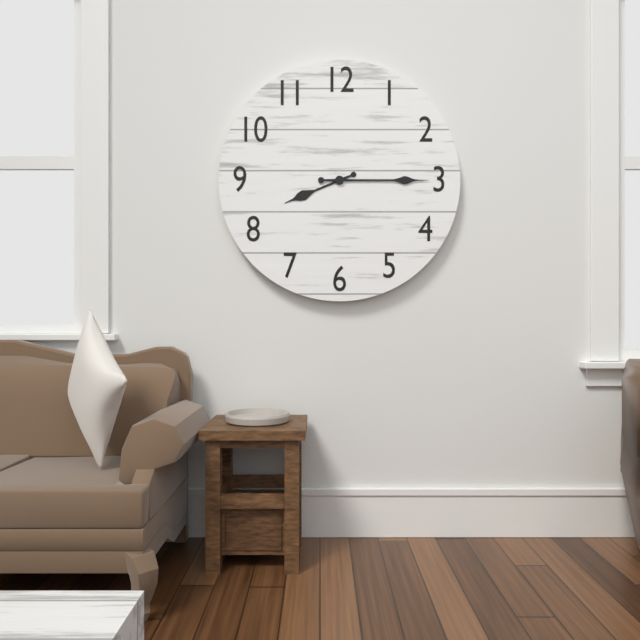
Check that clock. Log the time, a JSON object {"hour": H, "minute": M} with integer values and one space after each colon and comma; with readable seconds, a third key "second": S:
{"hour": 8, "minute": 15}
